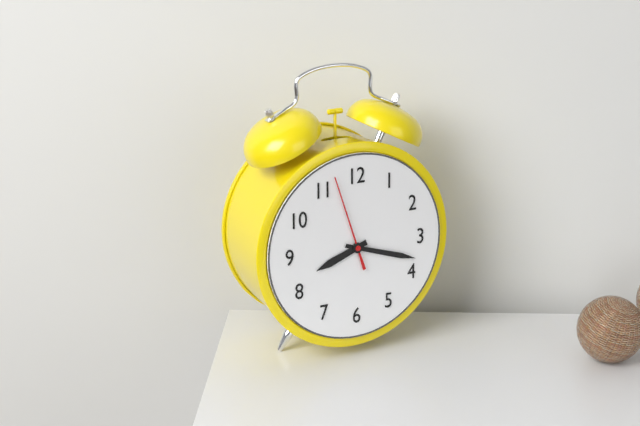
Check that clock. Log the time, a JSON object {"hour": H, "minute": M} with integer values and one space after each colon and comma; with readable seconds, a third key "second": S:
{"hour": 8, "minute": 18, "second": 57}
